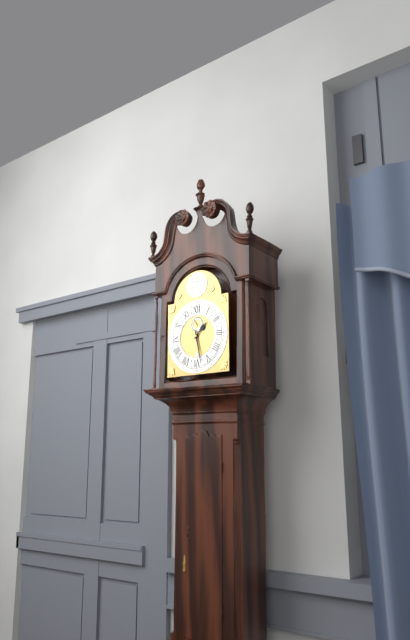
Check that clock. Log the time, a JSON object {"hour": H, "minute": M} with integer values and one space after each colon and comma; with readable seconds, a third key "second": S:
{"hour": 1, "minute": 28}
